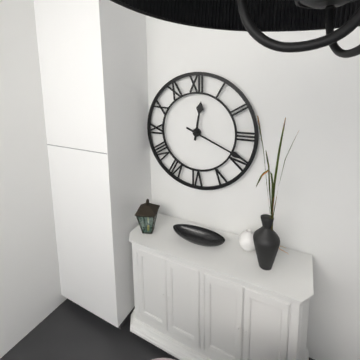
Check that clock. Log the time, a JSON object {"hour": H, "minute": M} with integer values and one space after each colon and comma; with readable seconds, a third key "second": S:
{"hour": 12, "minute": 19}
